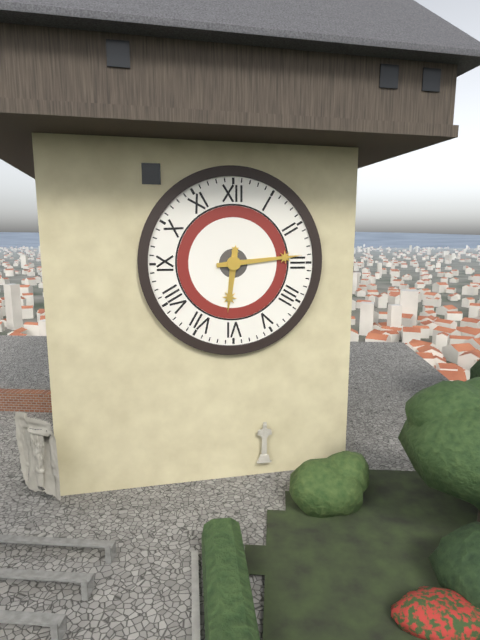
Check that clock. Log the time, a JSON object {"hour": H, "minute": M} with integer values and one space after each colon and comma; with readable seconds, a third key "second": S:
{"hour": 6, "minute": 14}
